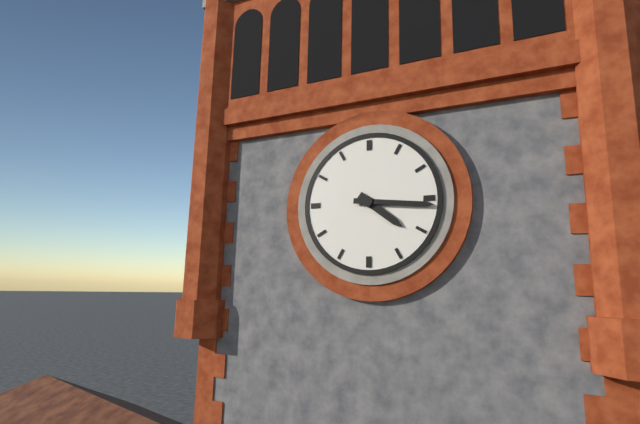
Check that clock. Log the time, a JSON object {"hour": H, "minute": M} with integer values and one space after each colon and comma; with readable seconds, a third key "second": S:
{"hour": 4, "minute": 16}
